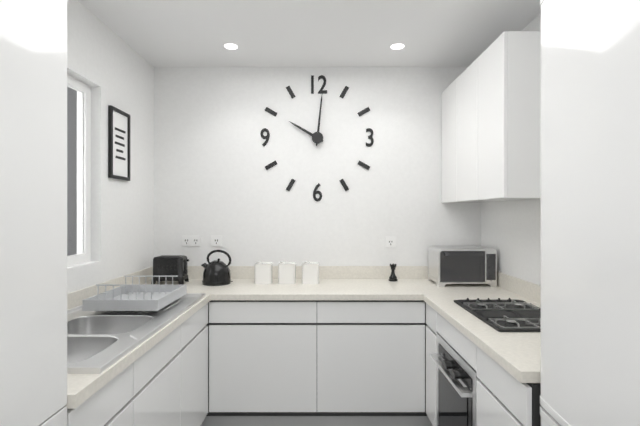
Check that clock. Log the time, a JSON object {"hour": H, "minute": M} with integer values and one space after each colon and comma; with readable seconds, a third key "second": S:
{"hour": 10, "minute": 1}
